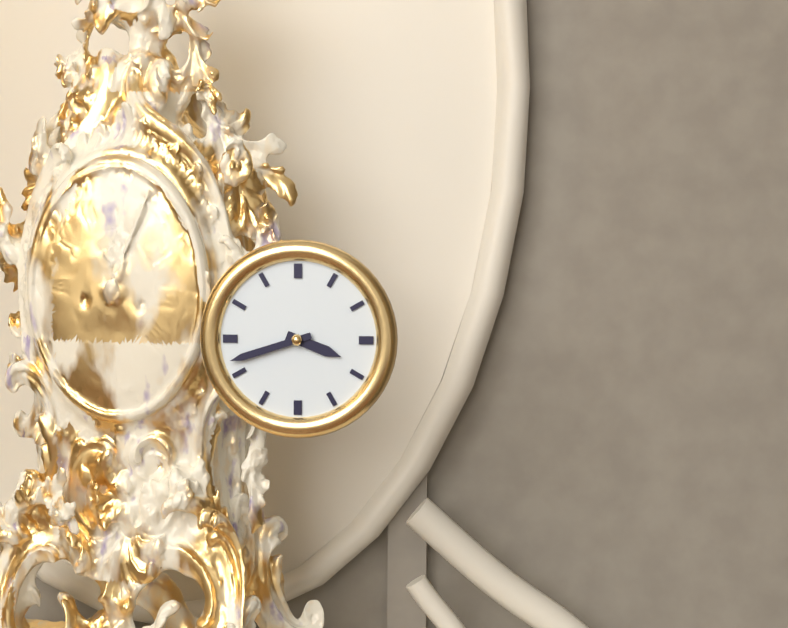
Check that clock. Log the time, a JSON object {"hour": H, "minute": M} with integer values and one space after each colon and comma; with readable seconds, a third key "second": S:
{"hour": 3, "minute": 42}
